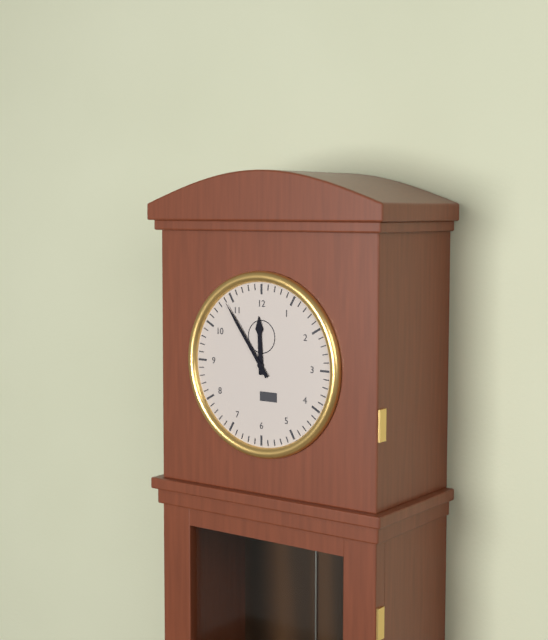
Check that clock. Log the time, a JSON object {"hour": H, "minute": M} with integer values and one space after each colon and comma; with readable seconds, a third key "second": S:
{"hour": 11, "minute": 54}
